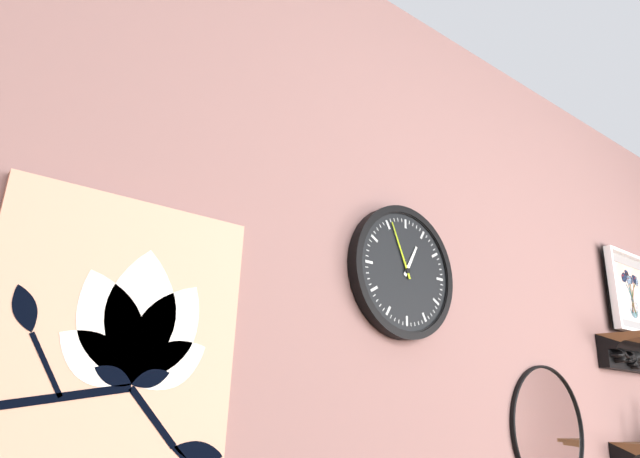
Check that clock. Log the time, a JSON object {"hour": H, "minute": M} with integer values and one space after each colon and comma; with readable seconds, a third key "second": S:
{"hour": 12, "minute": 56}
